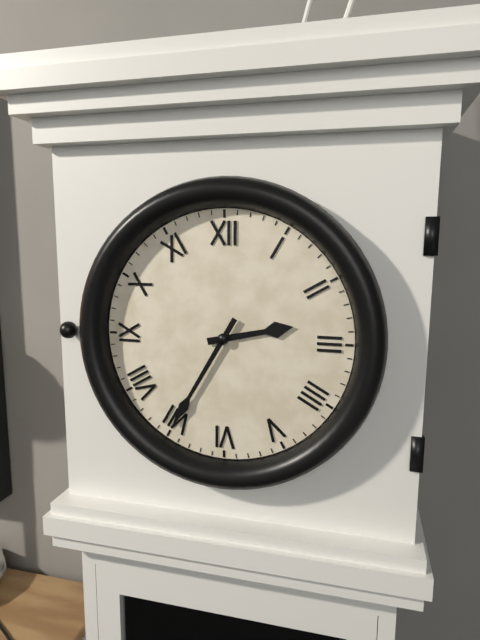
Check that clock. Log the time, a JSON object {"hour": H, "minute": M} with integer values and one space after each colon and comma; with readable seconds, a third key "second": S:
{"hour": 2, "minute": 35}
